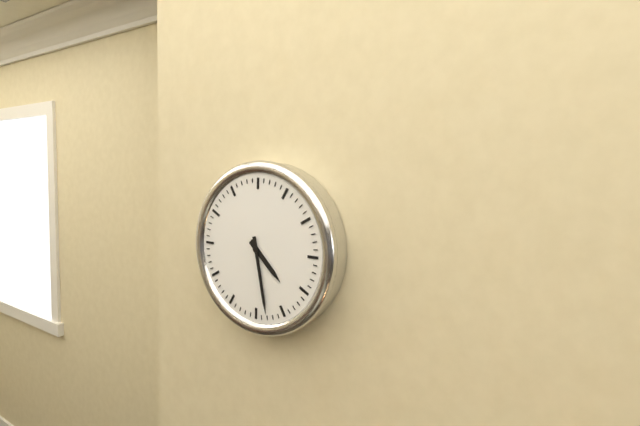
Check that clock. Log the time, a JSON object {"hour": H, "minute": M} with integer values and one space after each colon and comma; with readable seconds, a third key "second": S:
{"hour": 4, "minute": 28}
